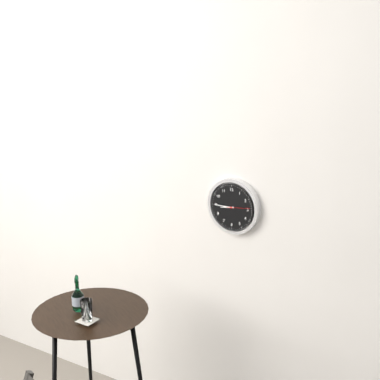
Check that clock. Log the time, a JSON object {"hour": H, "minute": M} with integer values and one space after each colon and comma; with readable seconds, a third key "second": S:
{"hour": 8, "minute": 45}
